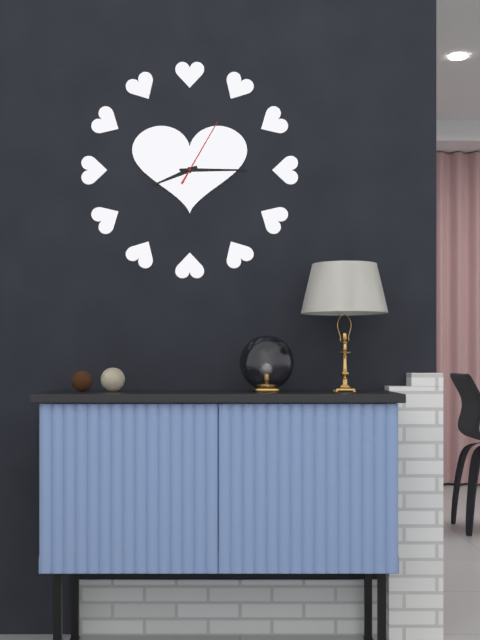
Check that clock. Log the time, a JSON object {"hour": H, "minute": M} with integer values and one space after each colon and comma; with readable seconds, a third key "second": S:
{"hour": 8, "minute": 15, "second": 5}
